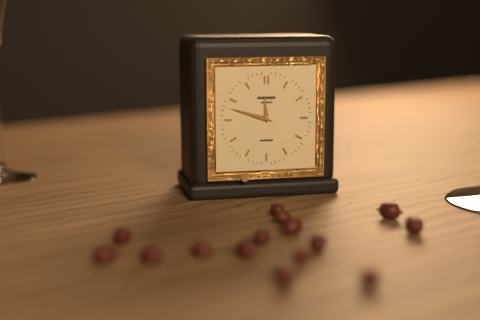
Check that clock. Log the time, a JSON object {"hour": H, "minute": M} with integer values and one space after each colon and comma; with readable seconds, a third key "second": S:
{"hour": 11, "minute": 48}
